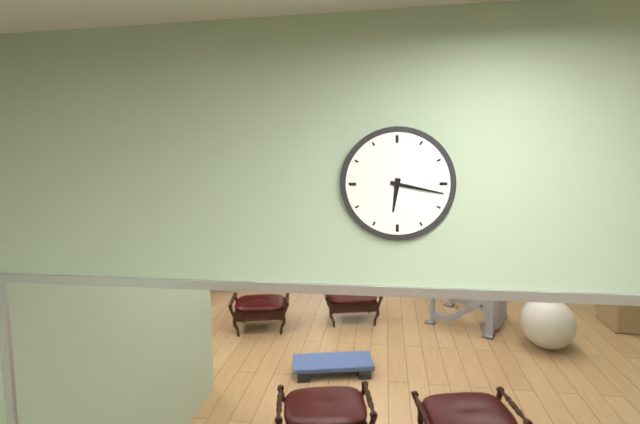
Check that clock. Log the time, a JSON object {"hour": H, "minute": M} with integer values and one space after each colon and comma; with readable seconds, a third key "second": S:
{"hour": 6, "minute": 17}
